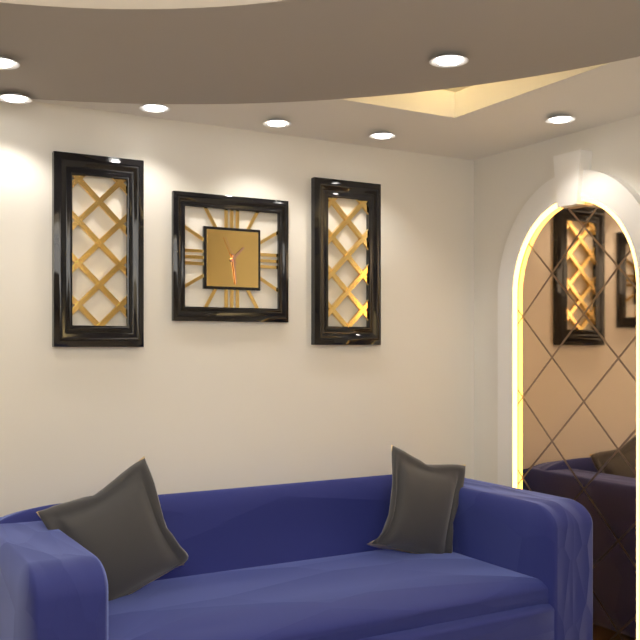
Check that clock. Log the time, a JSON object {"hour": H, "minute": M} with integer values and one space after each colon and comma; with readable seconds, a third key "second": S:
{"hour": 1, "minute": 29}
